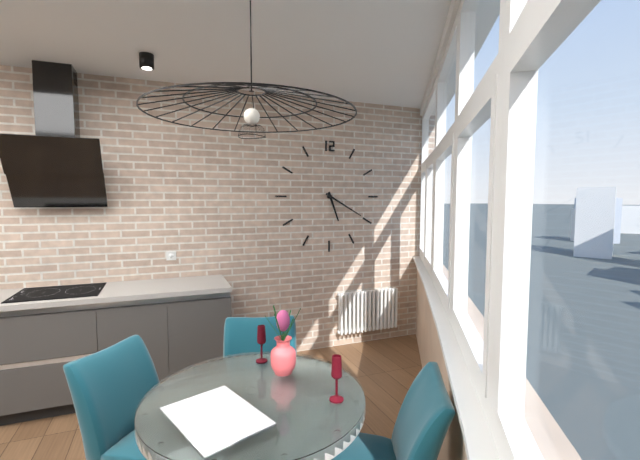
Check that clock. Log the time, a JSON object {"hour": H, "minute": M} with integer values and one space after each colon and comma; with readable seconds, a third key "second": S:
{"hour": 5, "minute": 20}
